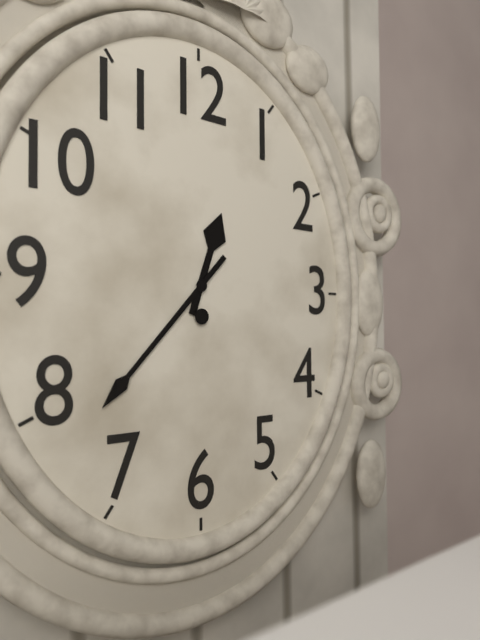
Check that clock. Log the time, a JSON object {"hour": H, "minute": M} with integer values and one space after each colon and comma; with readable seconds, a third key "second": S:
{"hour": 12, "minute": 37}
